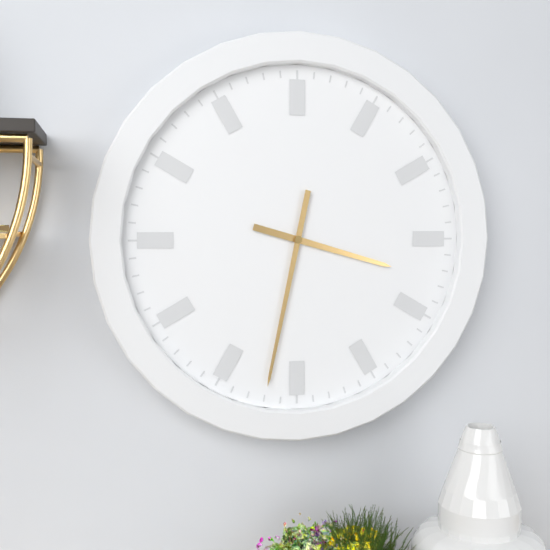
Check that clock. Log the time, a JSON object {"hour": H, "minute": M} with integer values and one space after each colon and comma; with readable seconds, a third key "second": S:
{"hour": 3, "minute": 32}
